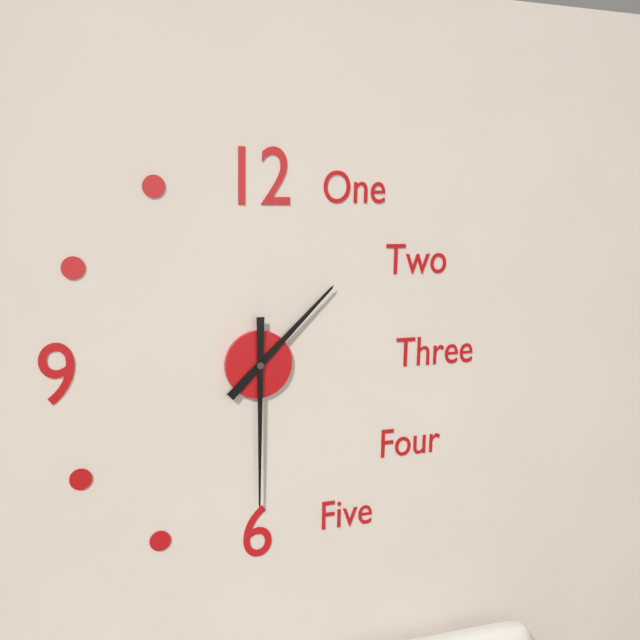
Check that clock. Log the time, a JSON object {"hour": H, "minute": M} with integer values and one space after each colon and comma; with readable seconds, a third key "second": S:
{"hour": 1, "minute": 30}
